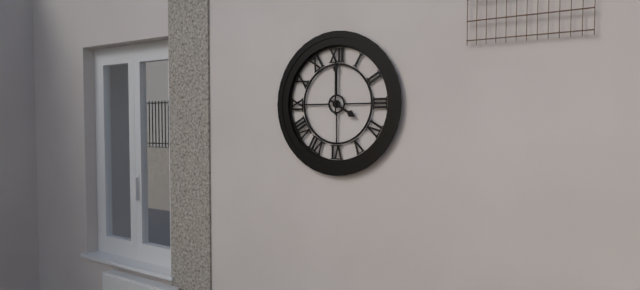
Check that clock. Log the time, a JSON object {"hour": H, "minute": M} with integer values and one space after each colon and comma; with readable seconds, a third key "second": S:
{"hour": 4, "minute": 0}
